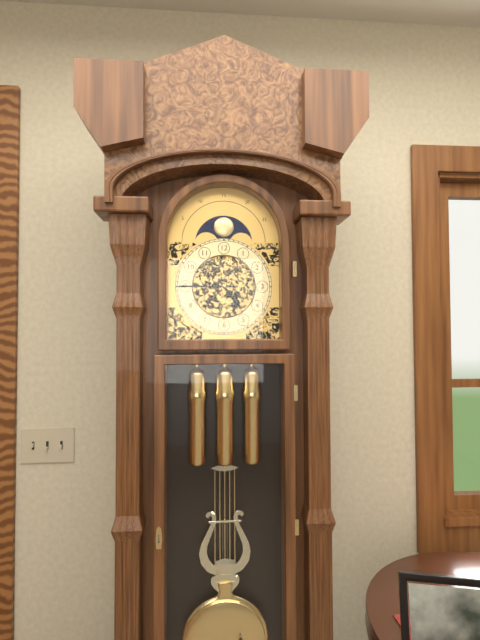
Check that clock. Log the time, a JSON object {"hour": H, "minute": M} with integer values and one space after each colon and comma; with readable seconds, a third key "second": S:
{"hour": 4, "minute": 45}
